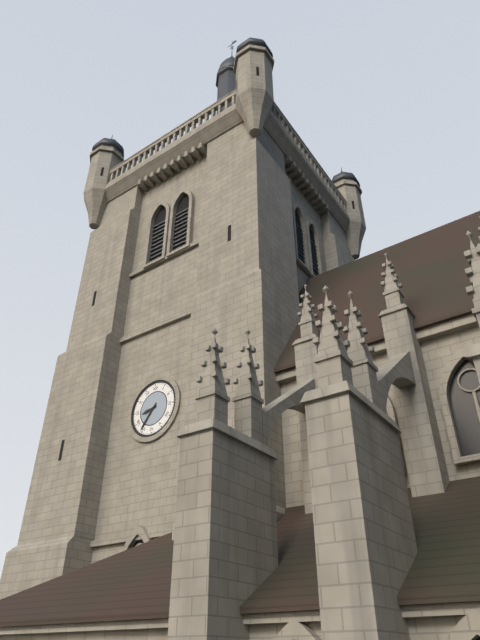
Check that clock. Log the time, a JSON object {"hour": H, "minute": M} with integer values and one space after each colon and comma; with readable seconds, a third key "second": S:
{"hour": 8, "minute": 36}
